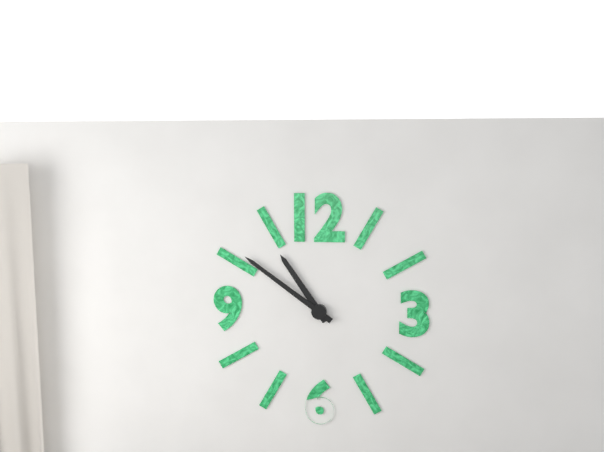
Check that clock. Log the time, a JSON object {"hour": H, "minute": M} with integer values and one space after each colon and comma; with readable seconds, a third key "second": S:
{"hour": 10, "minute": 51}
